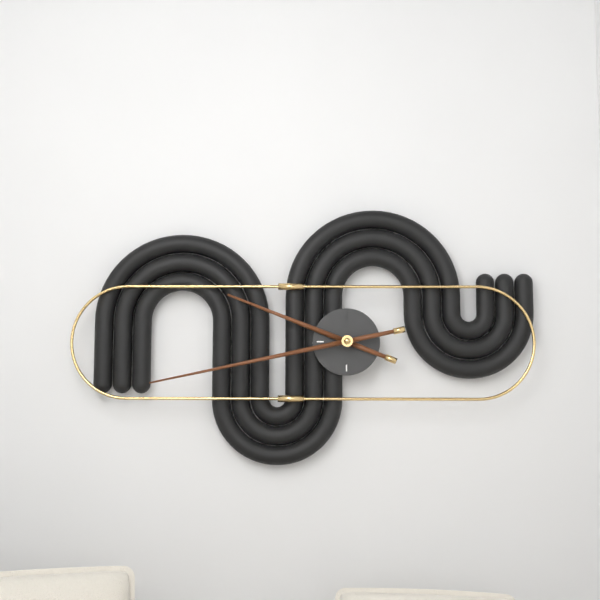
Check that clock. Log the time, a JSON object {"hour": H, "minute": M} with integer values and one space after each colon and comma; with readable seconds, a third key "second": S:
{"hour": 9, "minute": 43}
